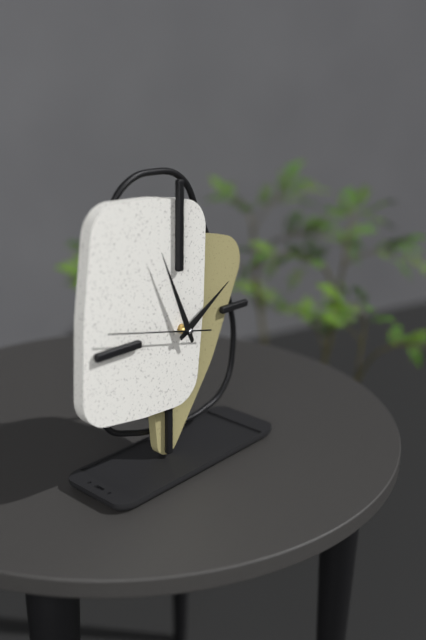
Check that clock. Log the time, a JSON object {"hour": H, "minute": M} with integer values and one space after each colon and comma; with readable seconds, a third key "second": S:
{"hour": 1, "minute": 56, "second": 47}
